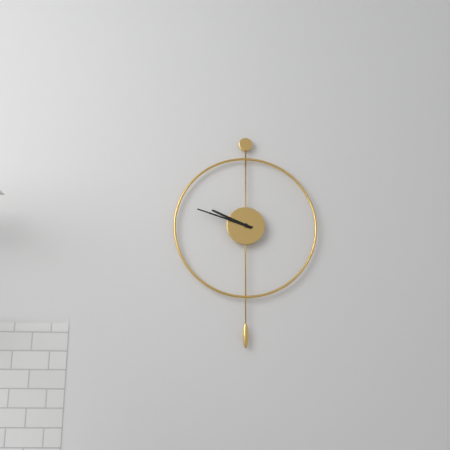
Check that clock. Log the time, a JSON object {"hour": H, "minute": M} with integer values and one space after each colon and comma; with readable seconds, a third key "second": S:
{"hour": 9, "minute": 48}
